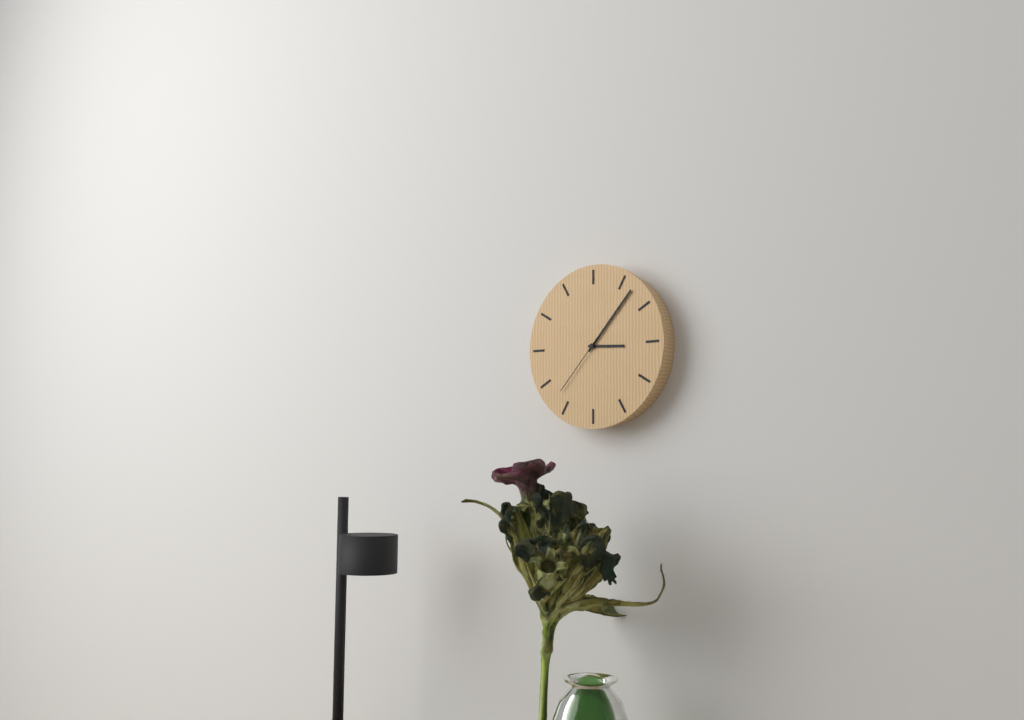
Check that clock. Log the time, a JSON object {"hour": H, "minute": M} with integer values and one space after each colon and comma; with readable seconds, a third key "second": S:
{"hour": 3, "minute": 7, "second": 37}
